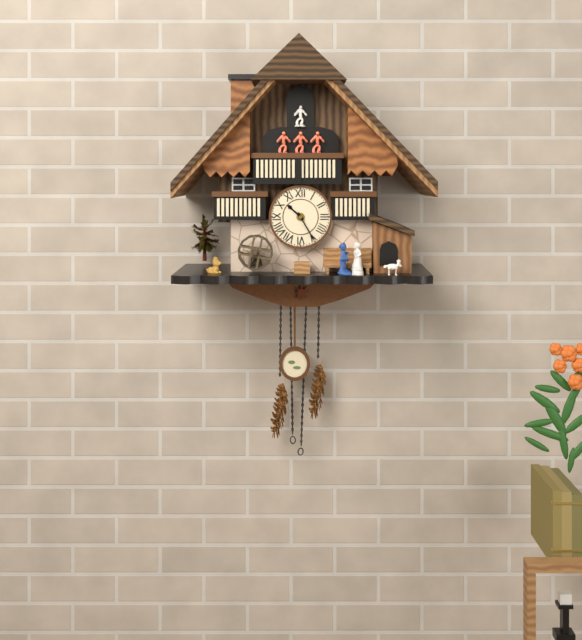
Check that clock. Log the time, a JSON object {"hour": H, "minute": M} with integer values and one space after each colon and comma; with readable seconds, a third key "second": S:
{"hour": 10, "minute": 25}
